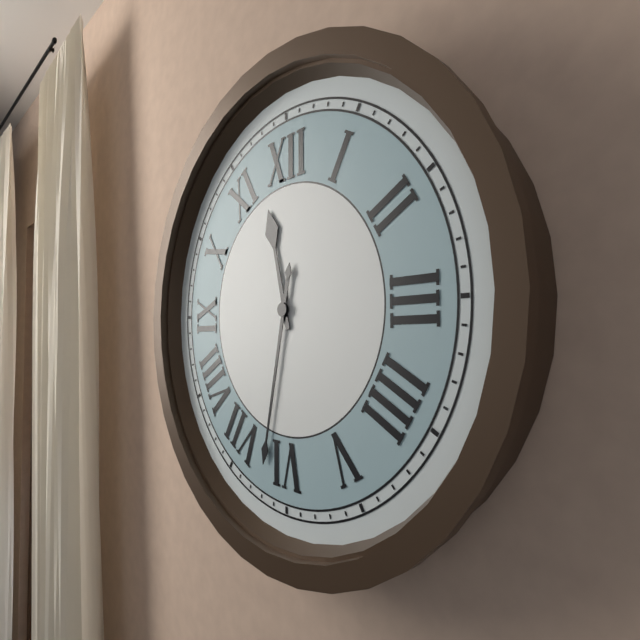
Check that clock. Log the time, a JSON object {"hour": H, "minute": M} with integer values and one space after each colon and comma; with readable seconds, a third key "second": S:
{"hour": 11, "minute": 32}
